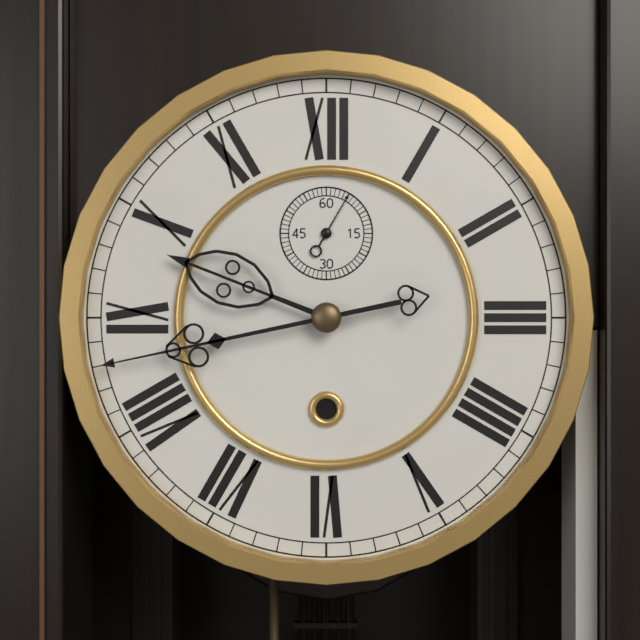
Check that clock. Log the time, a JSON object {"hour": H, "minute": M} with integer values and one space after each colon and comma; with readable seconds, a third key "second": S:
{"hour": 9, "minute": 43, "second": 5}
